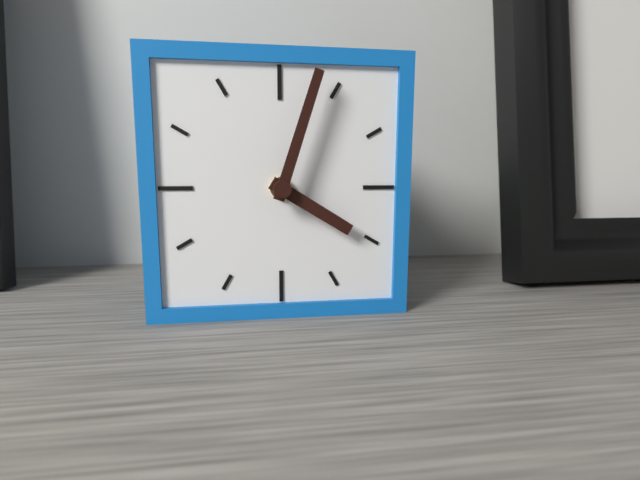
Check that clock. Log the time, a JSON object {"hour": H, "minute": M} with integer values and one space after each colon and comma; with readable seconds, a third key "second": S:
{"hour": 4, "minute": 3}
